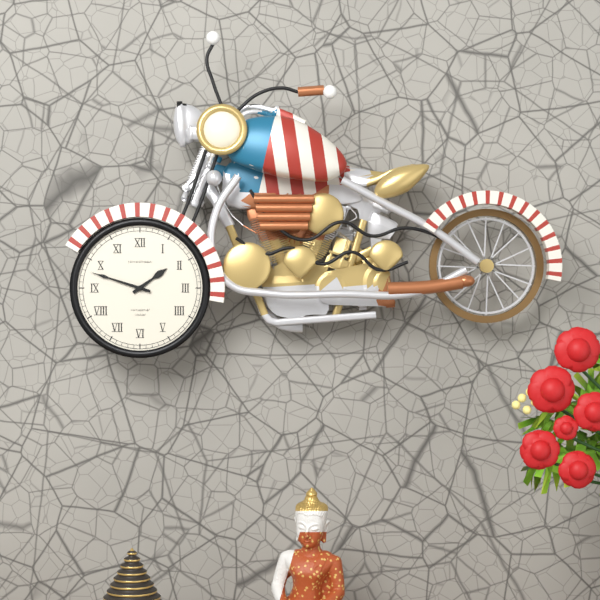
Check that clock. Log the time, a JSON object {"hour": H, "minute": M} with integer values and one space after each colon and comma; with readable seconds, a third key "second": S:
{"hour": 1, "minute": 48}
